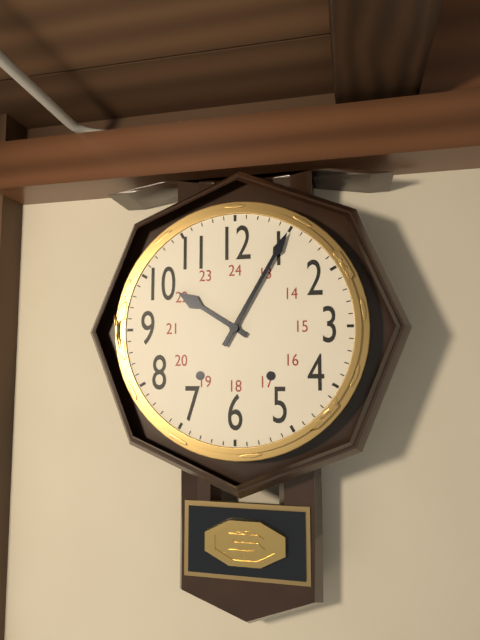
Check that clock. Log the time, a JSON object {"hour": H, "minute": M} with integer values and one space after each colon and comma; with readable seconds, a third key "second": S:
{"hour": 10, "minute": 5}
